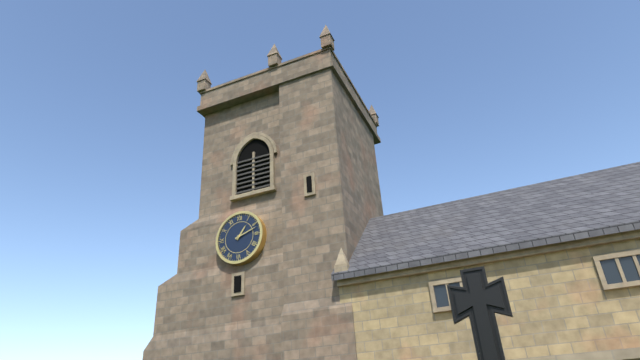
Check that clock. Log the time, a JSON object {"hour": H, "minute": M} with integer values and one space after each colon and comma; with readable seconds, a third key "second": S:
{"hour": 1, "minute": 12}
